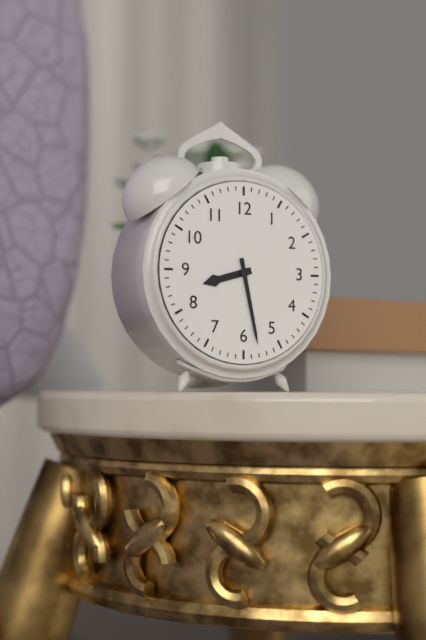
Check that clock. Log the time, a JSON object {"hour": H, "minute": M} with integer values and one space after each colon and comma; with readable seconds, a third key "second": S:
{"hour": 8, "minute": 28}
